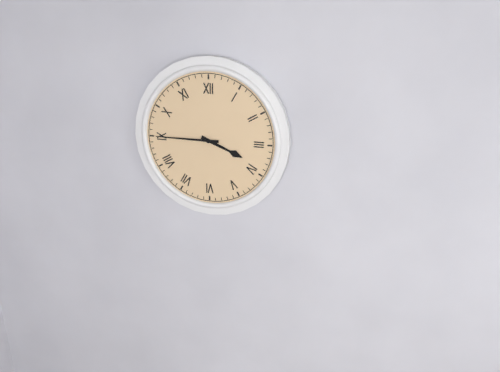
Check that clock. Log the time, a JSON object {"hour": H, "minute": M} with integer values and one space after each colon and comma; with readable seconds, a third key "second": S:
{"hour": 3, "minute": 45}
